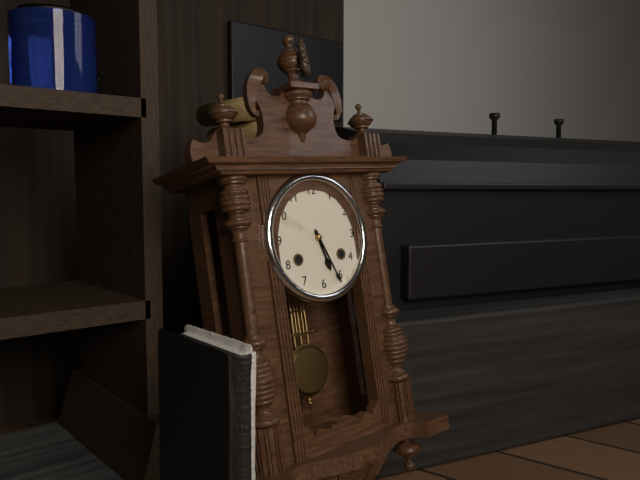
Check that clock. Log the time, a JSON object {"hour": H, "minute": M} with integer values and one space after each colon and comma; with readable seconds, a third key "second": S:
{"hour": 5, "minute": 26}
